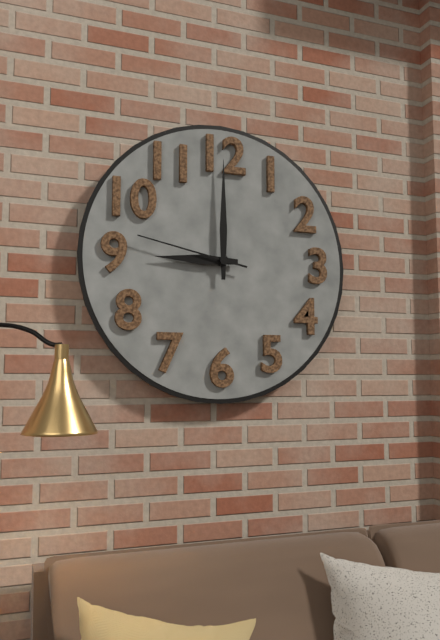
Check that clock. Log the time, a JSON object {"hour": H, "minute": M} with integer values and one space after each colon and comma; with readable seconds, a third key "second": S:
{"hour": 9, "minute": 0, "second": 47}
